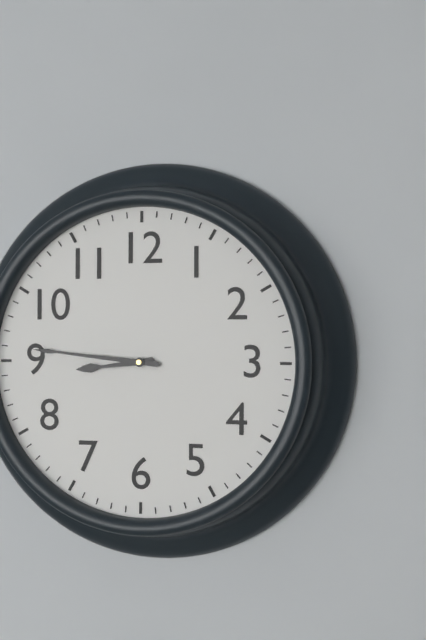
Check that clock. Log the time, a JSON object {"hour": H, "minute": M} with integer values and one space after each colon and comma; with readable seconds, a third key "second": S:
{"hour": 8, "minute": 46}
